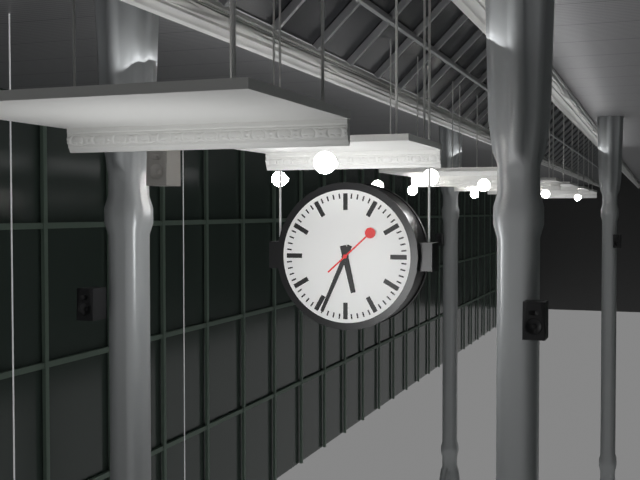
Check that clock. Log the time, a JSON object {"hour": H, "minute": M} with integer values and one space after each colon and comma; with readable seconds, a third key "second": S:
{"hour": 5, "minute": 34}
